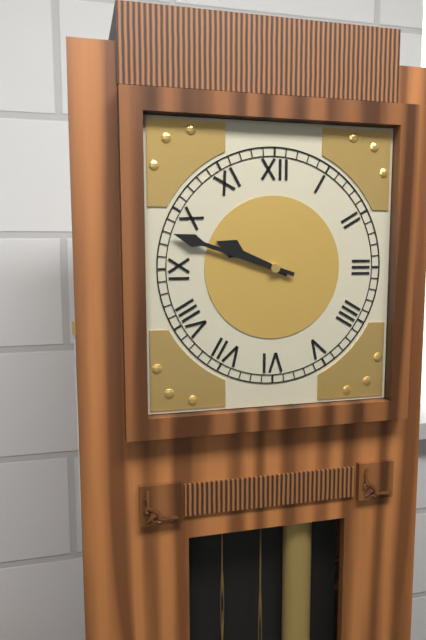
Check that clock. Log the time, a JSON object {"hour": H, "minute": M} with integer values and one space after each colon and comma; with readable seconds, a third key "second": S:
{"hour": 9, "minute": 48}
